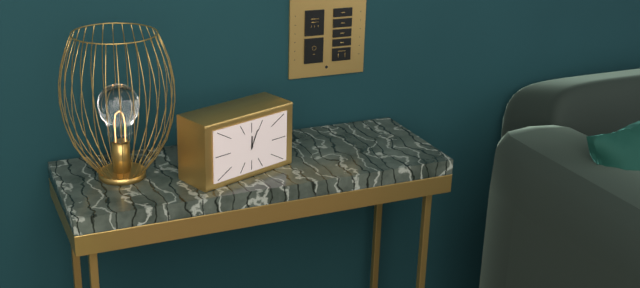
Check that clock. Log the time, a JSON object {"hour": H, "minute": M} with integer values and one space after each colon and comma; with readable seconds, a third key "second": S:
{"hour": 12, "minute": 4}
